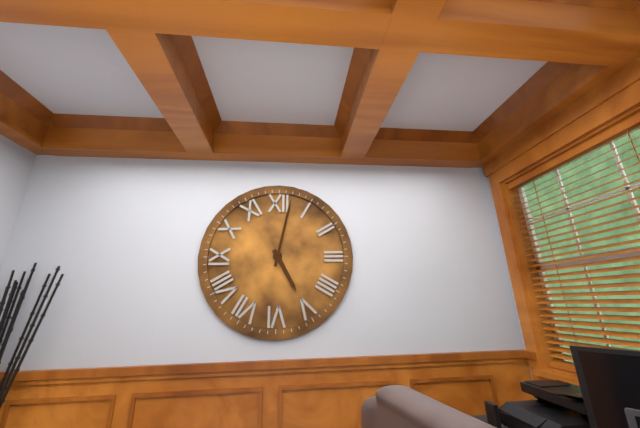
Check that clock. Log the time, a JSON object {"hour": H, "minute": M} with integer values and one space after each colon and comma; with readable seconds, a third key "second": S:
{"hour": 5, "minute": 2}
